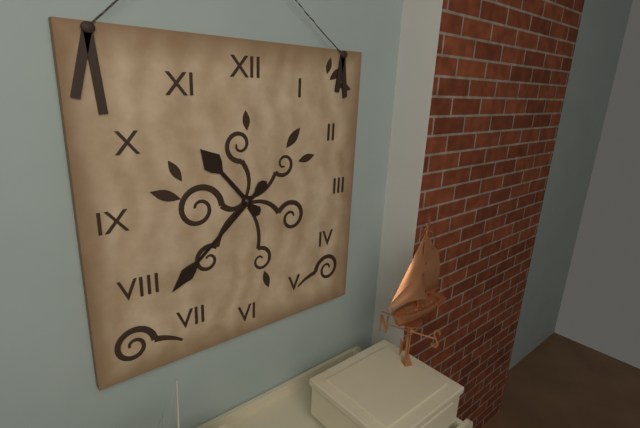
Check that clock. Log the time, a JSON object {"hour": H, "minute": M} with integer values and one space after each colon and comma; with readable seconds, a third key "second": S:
{"hour": 10, "minute": 38}
